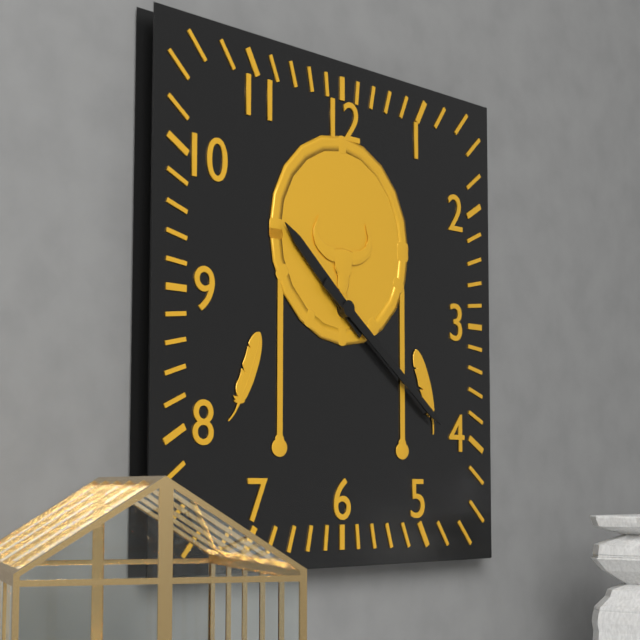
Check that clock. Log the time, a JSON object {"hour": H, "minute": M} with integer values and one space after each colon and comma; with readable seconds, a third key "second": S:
{"hour": 10, "minute": 21}
